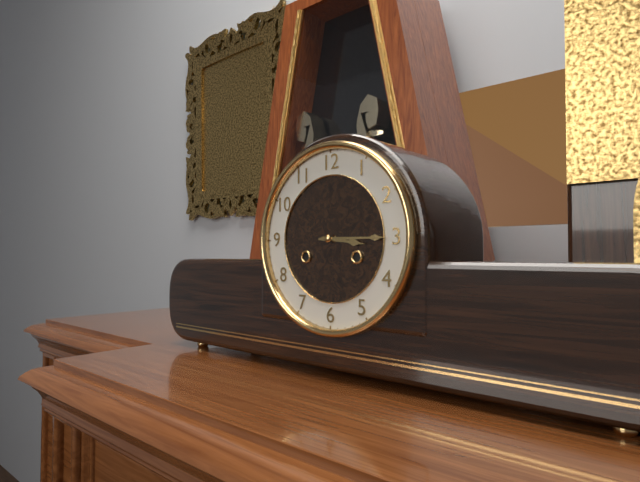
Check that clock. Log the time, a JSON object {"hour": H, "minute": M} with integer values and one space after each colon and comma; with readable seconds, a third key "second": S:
{"hour": 3, "minute": 15}
